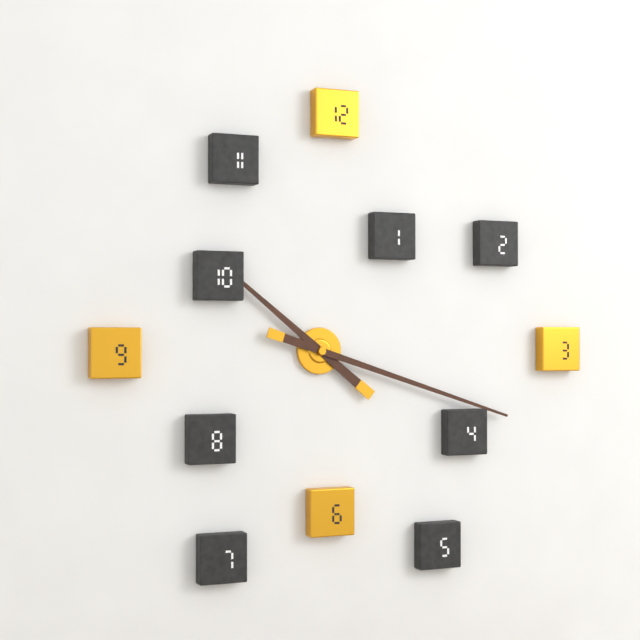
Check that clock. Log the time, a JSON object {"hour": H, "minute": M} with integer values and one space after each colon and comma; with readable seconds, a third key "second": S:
{"hour": 10, "minute": 18}
